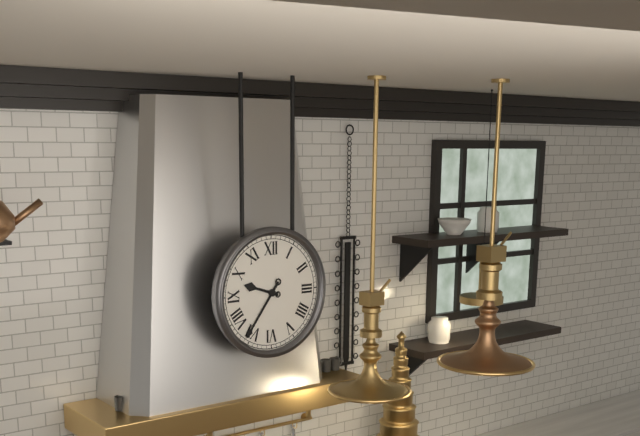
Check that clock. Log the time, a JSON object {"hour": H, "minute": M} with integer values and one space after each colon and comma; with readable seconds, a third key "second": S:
{"hour": 9, "minute": 36}
